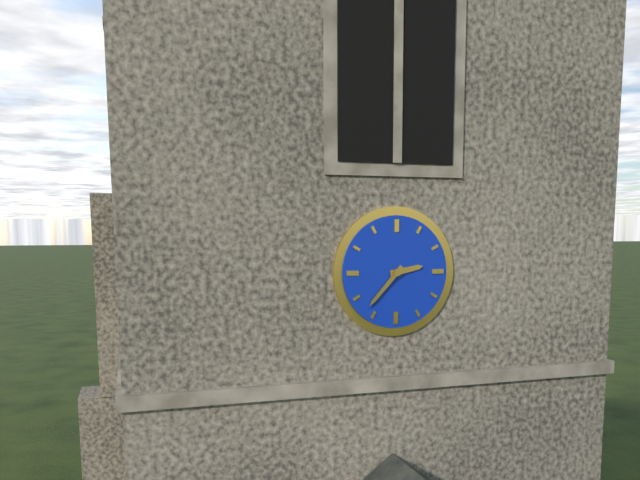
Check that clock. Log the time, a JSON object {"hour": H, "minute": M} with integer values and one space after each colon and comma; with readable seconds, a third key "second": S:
{"hour": 2, "minute": 37}
